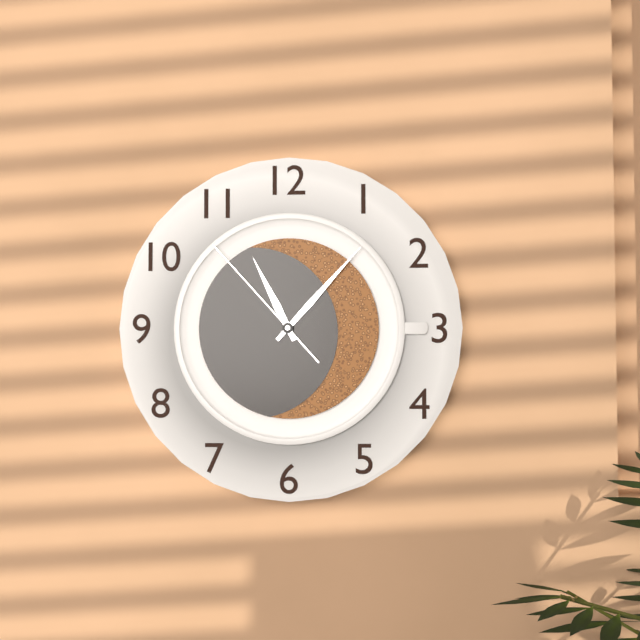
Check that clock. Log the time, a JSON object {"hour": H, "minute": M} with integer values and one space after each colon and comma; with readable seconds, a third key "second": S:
{"hour": 11, "minute": 7, "second": 53}
